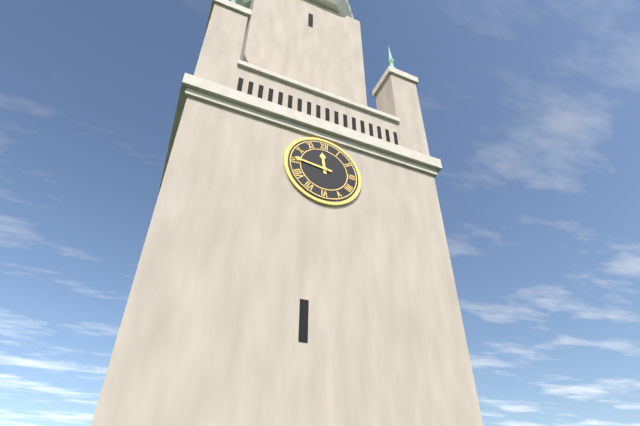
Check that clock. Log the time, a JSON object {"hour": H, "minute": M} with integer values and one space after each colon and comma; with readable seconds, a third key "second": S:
{"hour": 11, "minute": 46}
